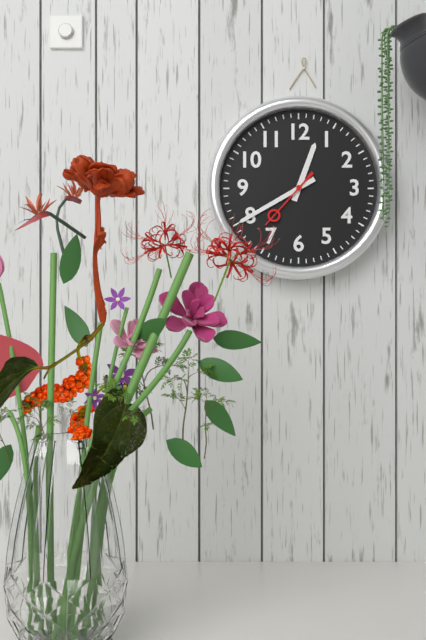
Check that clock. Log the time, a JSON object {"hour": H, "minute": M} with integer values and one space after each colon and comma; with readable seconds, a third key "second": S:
{"hour": 12, "minute": 40, "second": 37}
